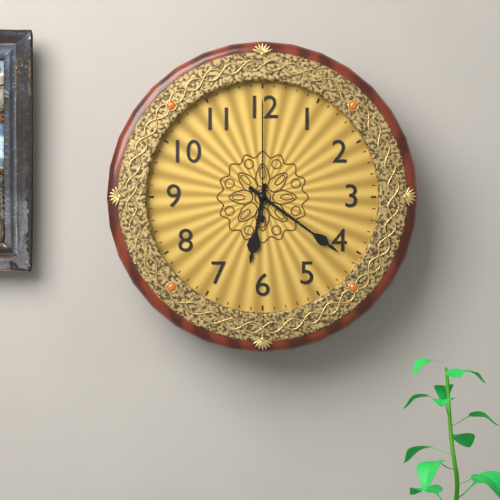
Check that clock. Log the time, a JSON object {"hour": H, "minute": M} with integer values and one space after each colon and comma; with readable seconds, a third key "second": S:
{"hour": 6, "minute": 21, "second": 0}
